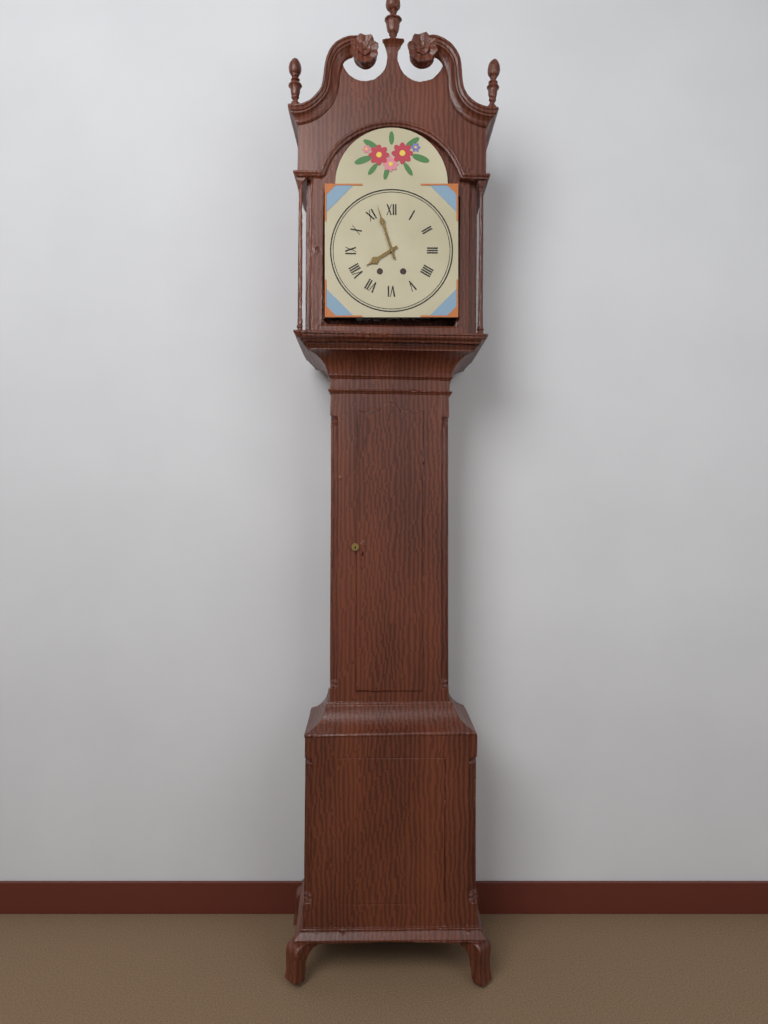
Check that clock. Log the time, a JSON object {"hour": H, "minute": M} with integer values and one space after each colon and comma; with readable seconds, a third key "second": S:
{"hour": 7, "minute": 57}
